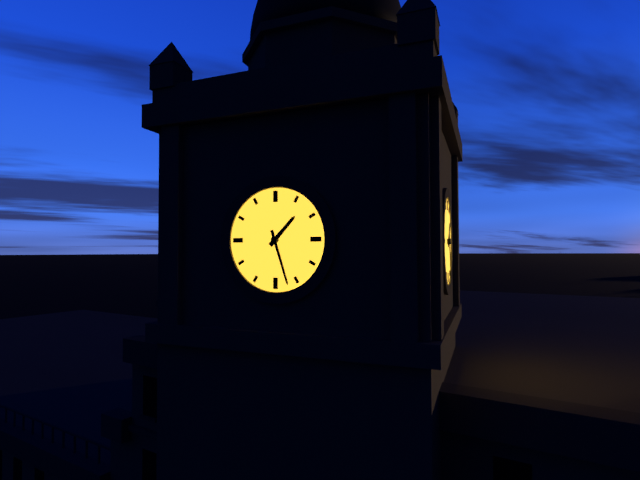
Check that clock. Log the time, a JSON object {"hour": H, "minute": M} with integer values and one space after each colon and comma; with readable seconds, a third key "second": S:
{"hour": 1, "minute": 27}
